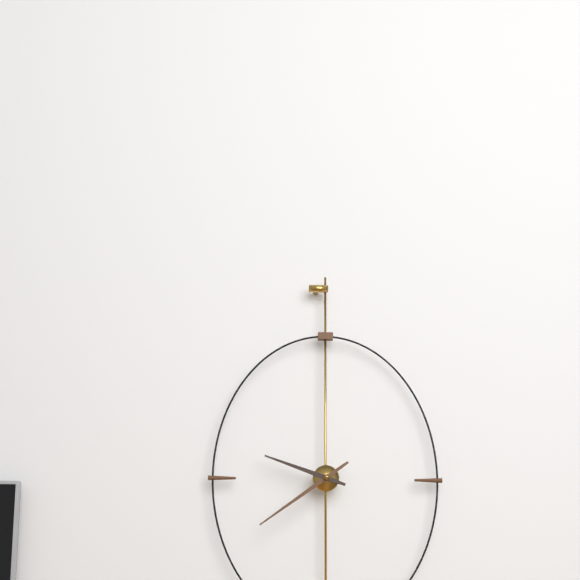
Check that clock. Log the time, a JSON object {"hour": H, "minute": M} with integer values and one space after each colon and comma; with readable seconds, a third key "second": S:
{"hour": 9, "minute": 39}
